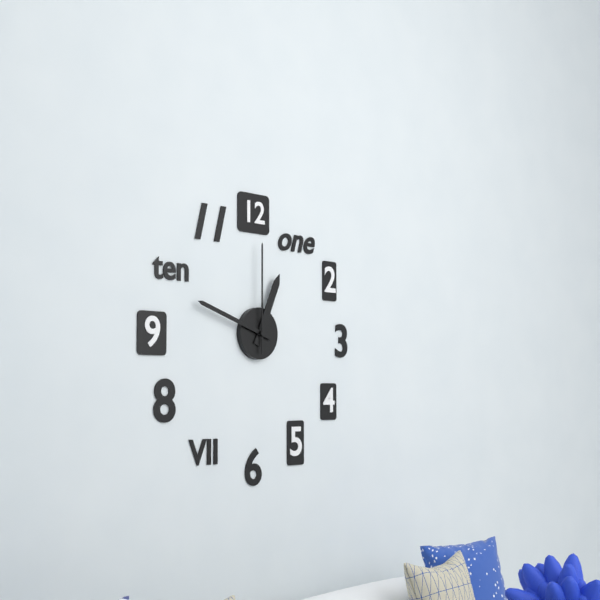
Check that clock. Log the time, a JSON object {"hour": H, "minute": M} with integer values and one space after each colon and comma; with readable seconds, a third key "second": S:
{"hour": 12, "minute": 48, "second": 0}
